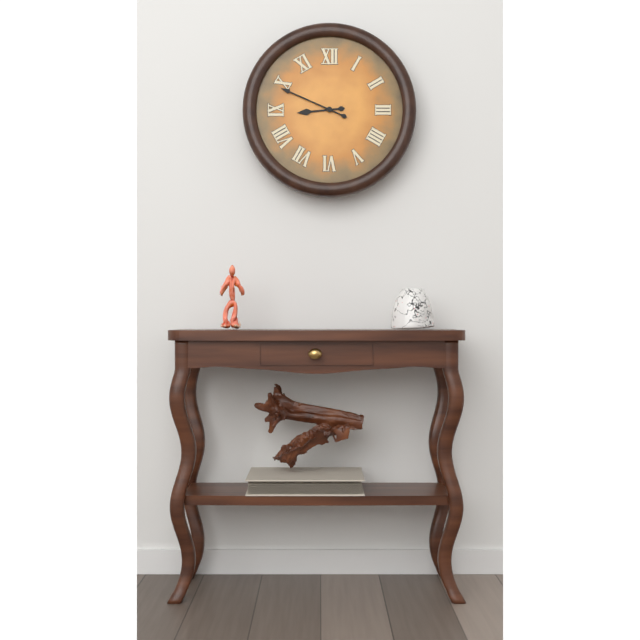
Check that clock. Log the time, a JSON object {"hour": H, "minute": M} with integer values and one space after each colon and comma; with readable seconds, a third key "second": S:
{"hour": 8, "minute": 49}
